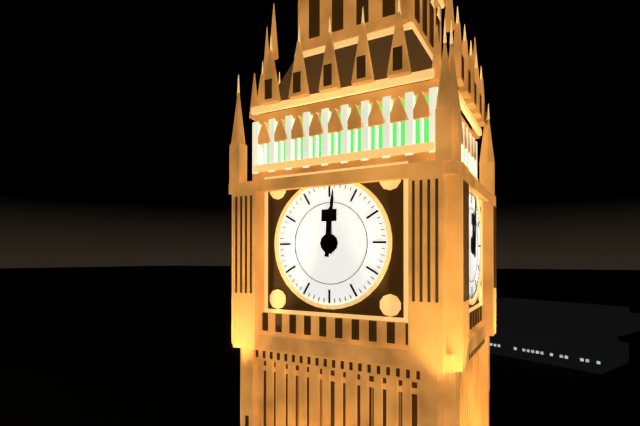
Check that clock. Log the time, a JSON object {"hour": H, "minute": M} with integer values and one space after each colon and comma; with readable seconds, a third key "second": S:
{"hour": 12, "minute": 1}
